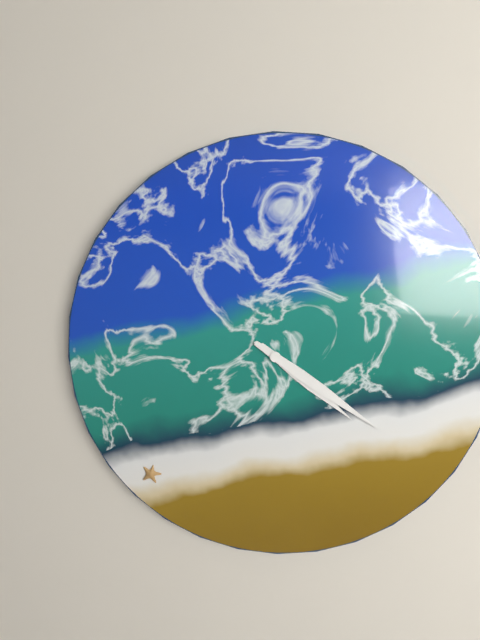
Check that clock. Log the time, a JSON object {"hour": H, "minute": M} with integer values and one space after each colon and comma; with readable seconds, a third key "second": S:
{"hour": 4, "minute": 21}
